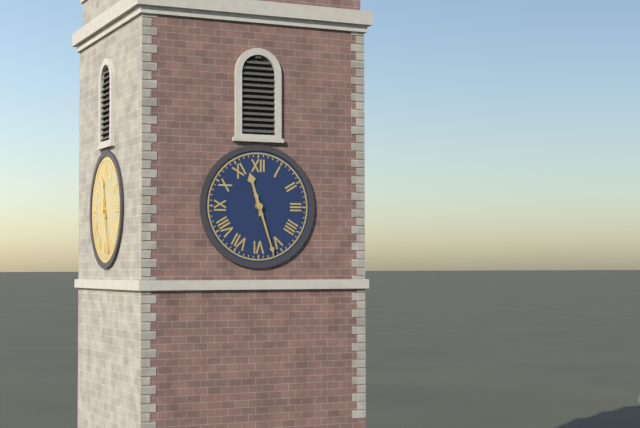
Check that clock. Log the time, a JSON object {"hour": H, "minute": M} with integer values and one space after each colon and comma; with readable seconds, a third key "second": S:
{"hour": 11, "minute": 27}
